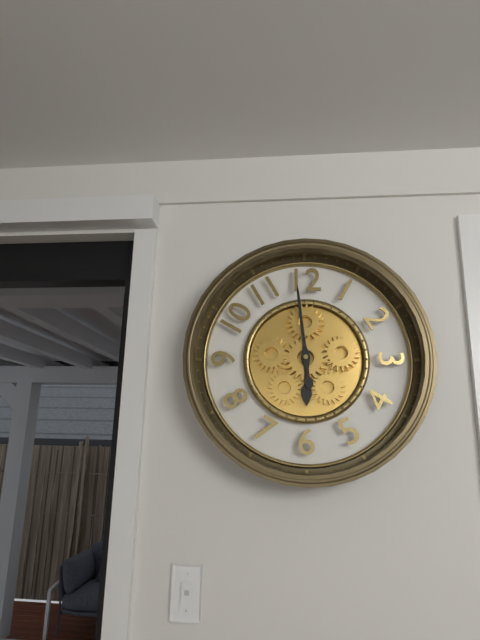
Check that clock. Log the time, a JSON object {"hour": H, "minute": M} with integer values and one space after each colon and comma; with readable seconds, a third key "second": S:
{"hour": 5, "minute": 59}
